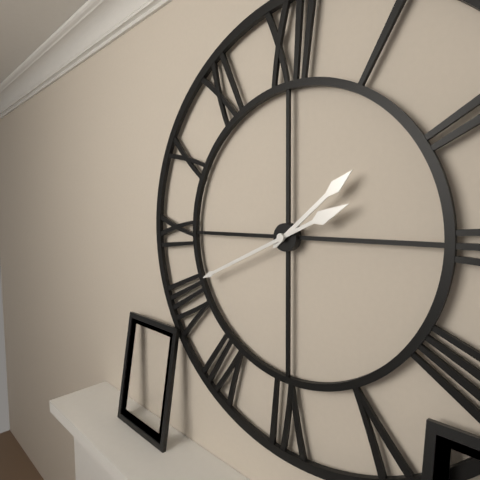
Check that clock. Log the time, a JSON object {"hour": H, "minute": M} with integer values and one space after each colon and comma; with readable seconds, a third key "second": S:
{"hour": 1, "minute": 41}
